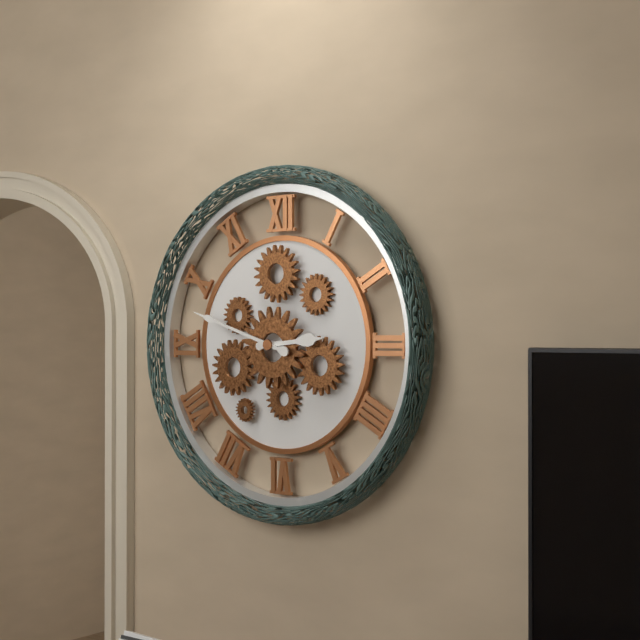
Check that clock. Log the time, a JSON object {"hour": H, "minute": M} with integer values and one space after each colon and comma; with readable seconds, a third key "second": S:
{"hour": 2, "minute": 48}
